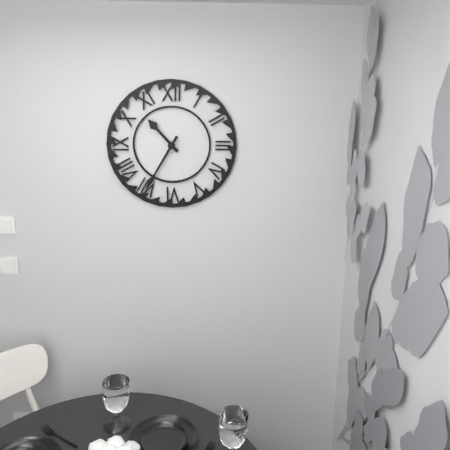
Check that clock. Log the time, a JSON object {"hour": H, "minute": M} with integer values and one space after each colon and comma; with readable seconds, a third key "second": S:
{"hour": 10, "minute": 35}
